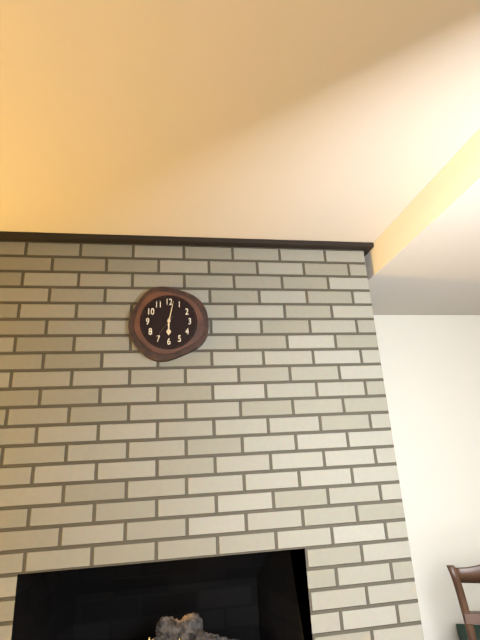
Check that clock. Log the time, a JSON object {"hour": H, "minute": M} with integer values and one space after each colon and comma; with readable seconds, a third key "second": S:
{"hour": 6, "minute": 2}
